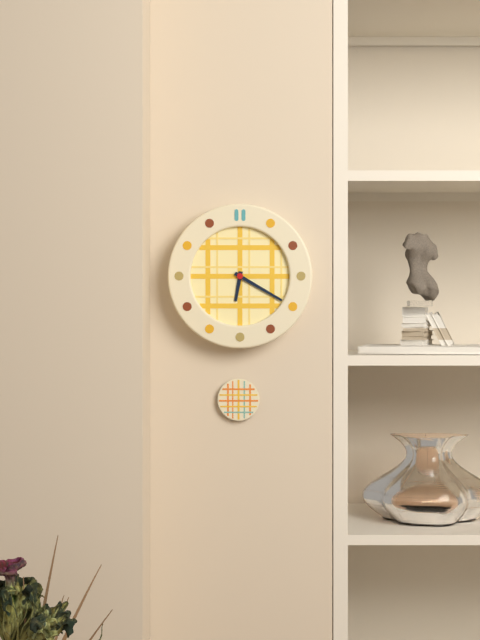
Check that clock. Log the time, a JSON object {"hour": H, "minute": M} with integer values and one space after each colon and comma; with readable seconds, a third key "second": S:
{"hour": 6, "minute": 20}
